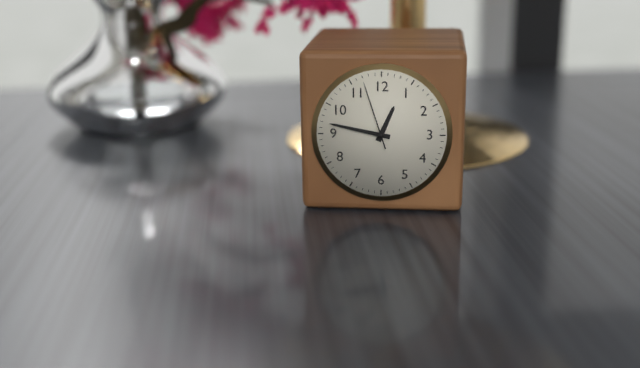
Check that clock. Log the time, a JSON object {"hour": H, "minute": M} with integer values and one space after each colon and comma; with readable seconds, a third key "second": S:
{"hour": 12, "minute": 47, "second": 57}
